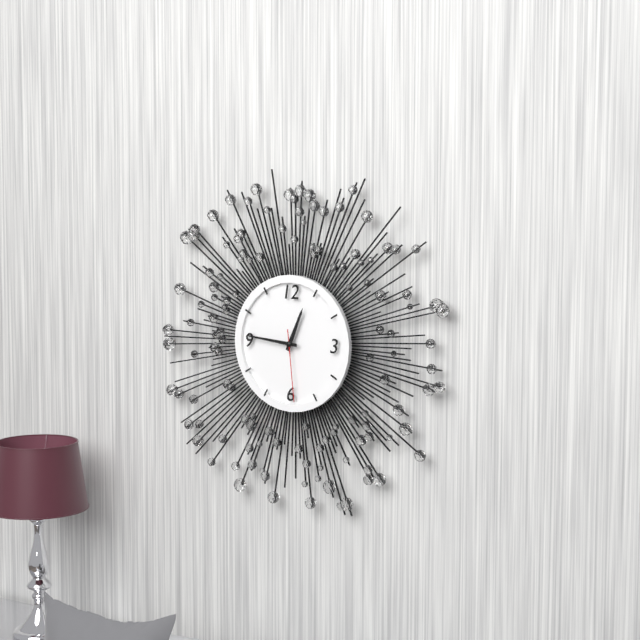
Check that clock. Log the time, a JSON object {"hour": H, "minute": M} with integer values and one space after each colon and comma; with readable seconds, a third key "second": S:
{"hour": 12, "minute": 46, "second": 29}
